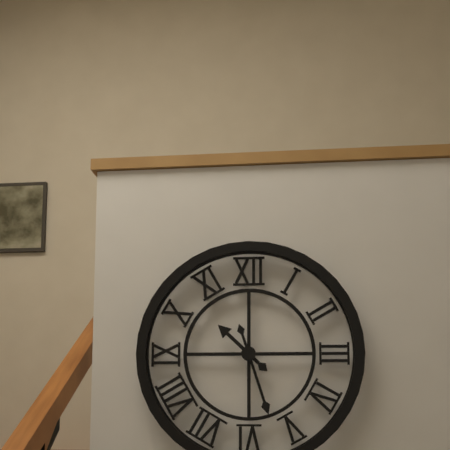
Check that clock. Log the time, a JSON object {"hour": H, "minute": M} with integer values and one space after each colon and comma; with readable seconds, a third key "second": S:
{"hour": 10, "minute": 27}
